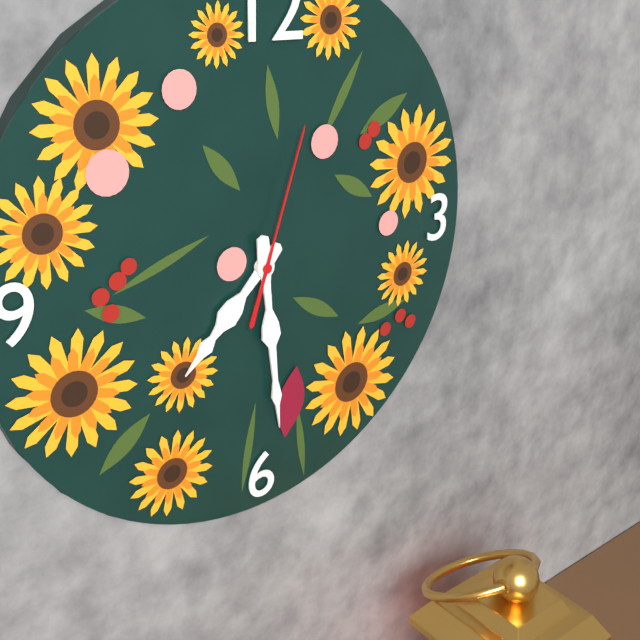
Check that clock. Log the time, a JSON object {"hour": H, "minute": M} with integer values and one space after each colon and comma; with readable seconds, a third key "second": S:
{"hour": 7, "minute": 29, "second": 3}
